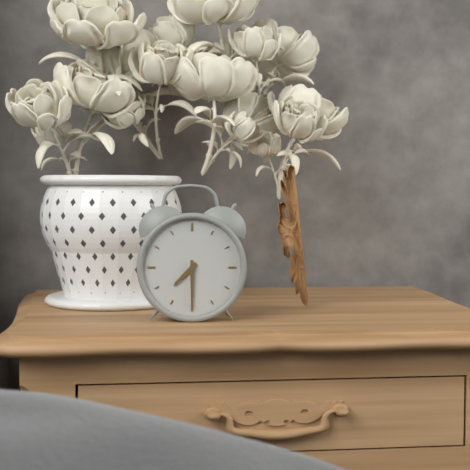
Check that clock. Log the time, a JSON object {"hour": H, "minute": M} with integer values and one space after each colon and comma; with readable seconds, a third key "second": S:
{"hour": 7, "minute": 30}
